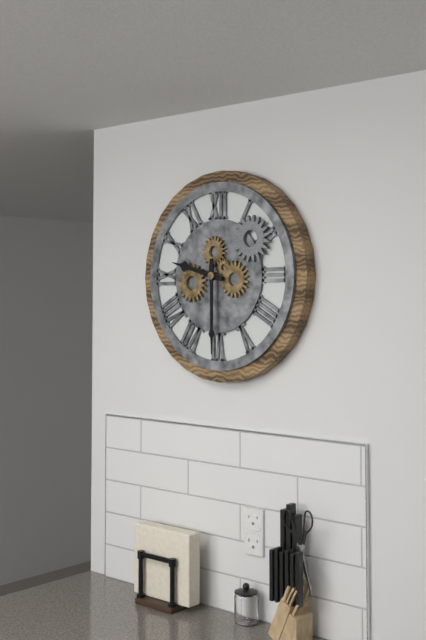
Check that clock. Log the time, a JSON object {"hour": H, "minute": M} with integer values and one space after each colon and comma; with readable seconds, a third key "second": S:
{"hour": 9, "minute": 30}
